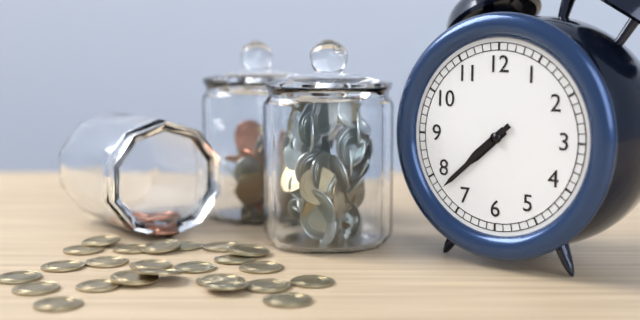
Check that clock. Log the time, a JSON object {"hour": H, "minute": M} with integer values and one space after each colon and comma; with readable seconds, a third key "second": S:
{"hour": 7, "minute": 38}
